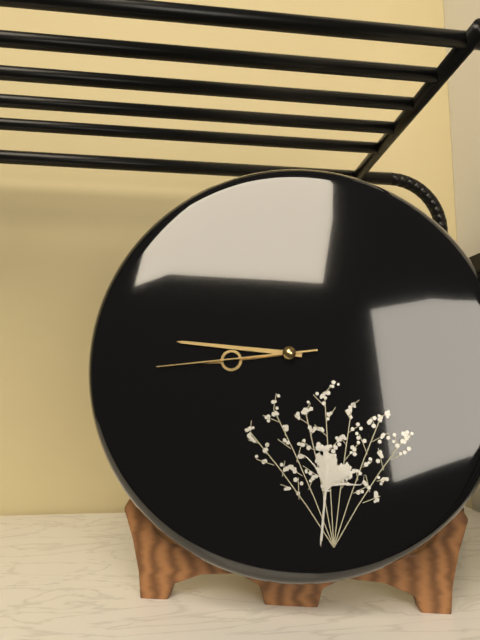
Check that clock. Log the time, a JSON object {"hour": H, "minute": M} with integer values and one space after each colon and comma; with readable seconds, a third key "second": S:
{"hour": 8, "minute": 46, "second": 44}
